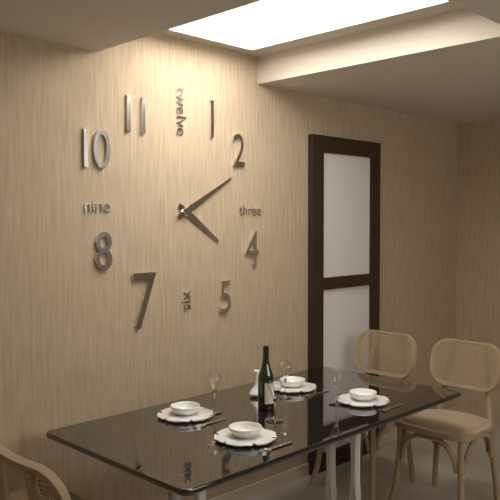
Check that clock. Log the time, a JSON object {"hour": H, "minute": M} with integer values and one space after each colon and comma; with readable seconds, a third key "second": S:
{"hour": 4, "minute": 10}
